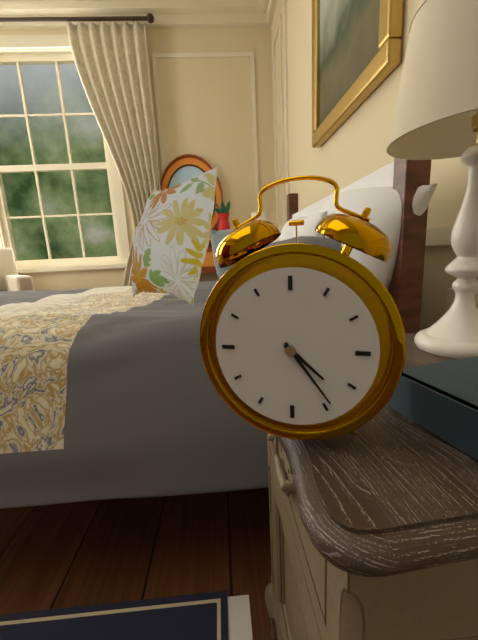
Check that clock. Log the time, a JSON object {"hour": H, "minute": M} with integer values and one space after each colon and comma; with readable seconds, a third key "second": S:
{"hour": 4, "minute": 24}
